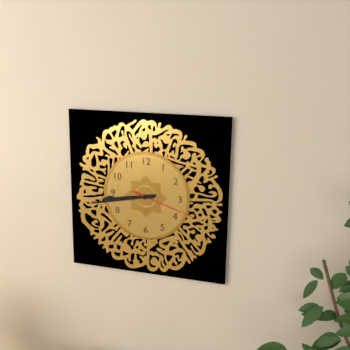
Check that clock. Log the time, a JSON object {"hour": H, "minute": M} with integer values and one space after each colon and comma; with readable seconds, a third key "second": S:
{"hour": 8, "minute": 43, "second": 18}
